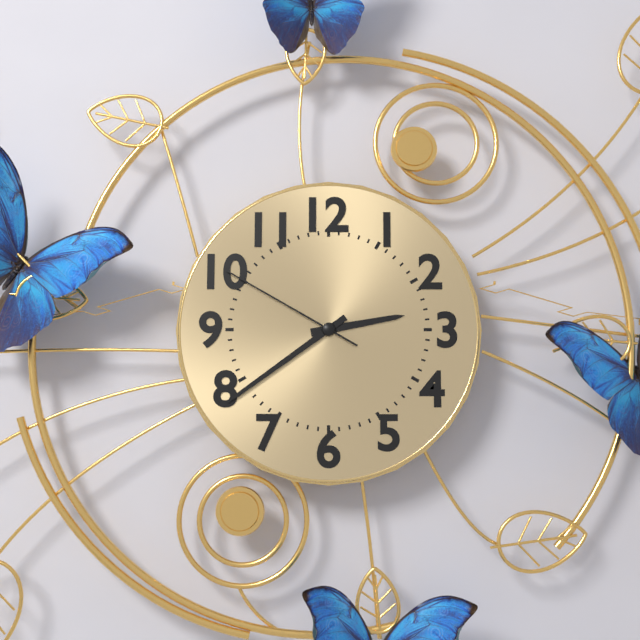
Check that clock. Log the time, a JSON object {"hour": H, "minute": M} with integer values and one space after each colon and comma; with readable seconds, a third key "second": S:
{"hour": 2, "minute": 39, "second": 50}
